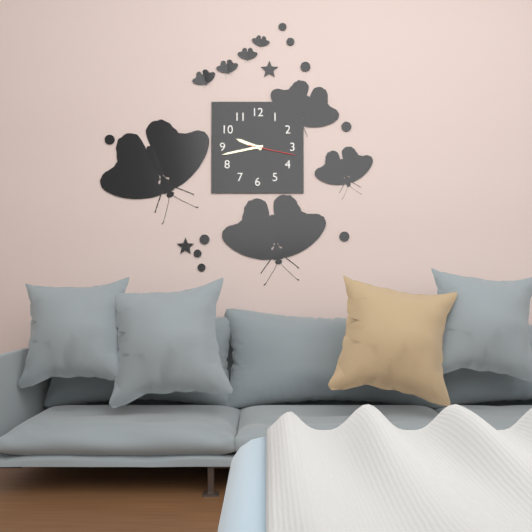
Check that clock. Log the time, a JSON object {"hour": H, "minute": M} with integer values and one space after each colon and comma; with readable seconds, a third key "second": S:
{"hour": 9, "minute": 43, "second": 17}
